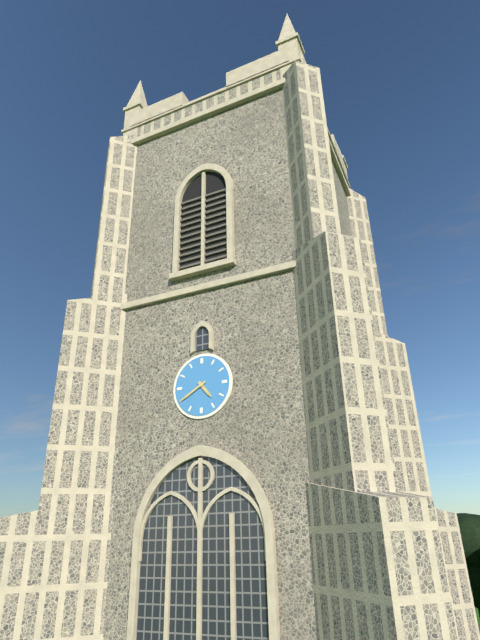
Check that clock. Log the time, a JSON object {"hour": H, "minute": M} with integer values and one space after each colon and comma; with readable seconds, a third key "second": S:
{"hour": 4, "minute": 40}
